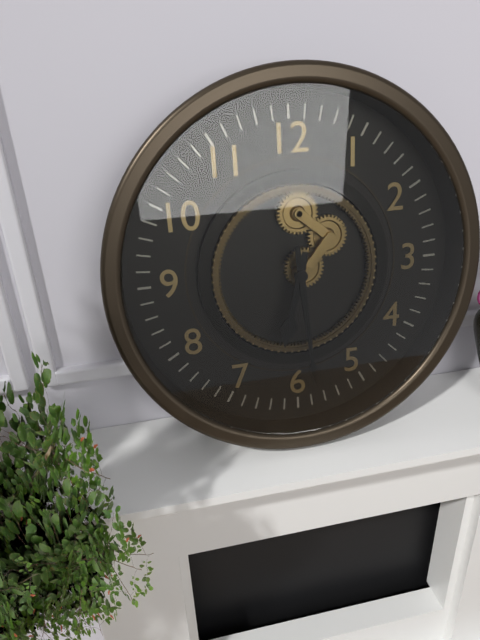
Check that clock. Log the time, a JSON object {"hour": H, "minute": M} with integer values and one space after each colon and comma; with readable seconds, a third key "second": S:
{"hour": 6, "minute": 29}
